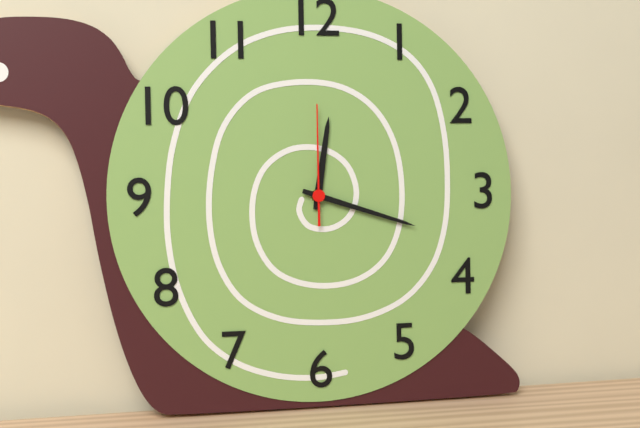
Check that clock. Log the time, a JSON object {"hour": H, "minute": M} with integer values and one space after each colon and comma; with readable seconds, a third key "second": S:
{"hour": 12, "minute": 18, "second": 0}
